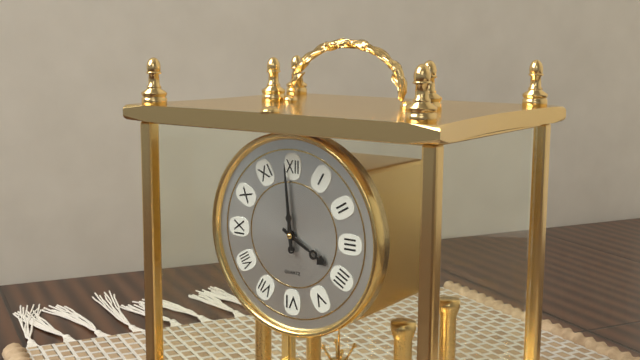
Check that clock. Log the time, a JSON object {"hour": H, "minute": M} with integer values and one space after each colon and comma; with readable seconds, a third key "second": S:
{"hour": 3, "minute": 59}
